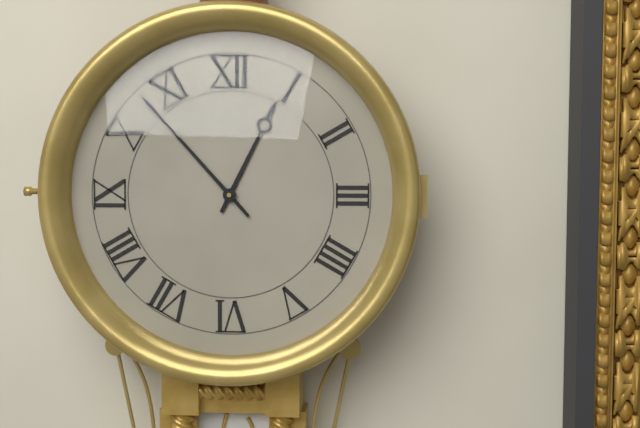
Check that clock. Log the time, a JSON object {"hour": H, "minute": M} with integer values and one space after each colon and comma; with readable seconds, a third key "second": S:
{"hour": 12, "minute": 53}
